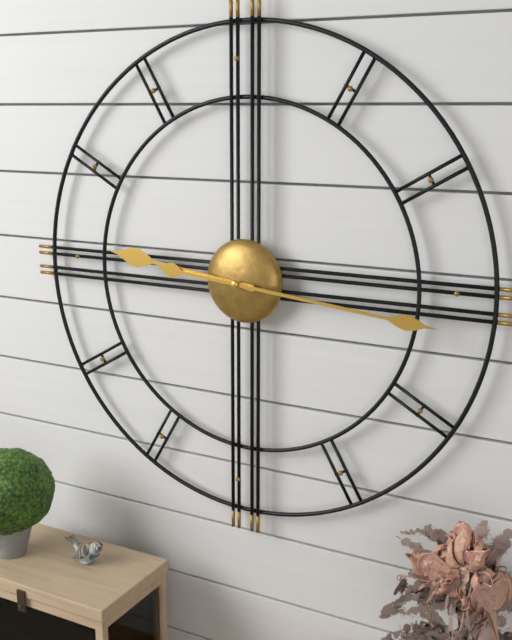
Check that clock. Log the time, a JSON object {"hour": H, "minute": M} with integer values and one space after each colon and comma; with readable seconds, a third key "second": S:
{"hour": 9, "minute": 16}
